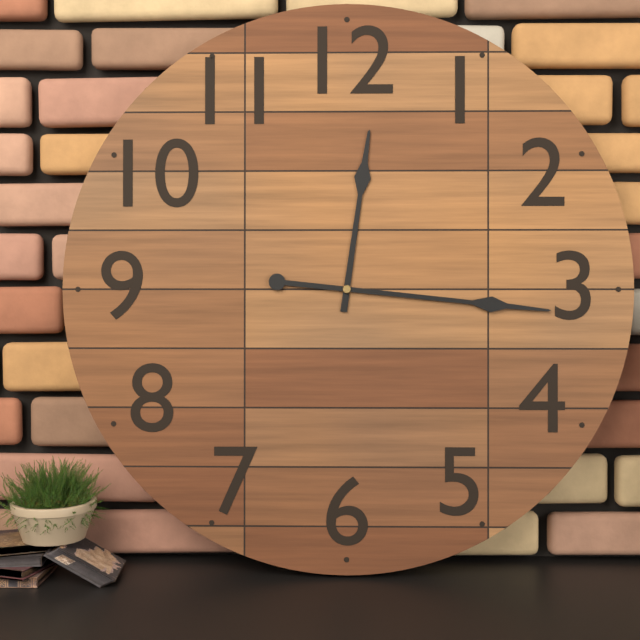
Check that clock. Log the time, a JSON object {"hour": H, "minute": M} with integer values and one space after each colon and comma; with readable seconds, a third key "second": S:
{"hour": 12, "minute": 16}
